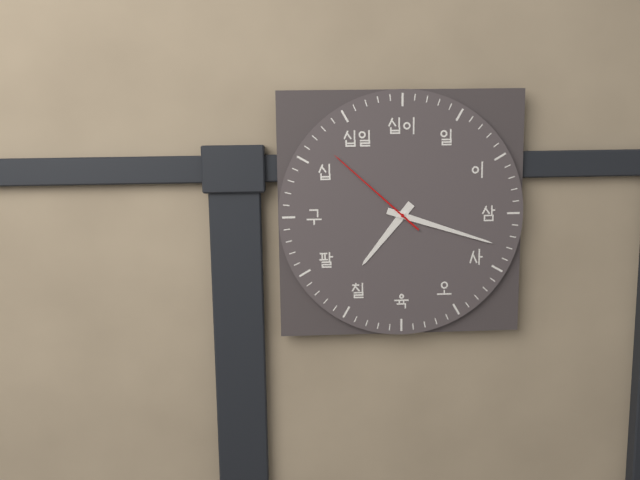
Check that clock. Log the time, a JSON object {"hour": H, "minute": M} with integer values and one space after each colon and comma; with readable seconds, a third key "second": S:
{"hour": 7, "minute": 18, "second": 52}
